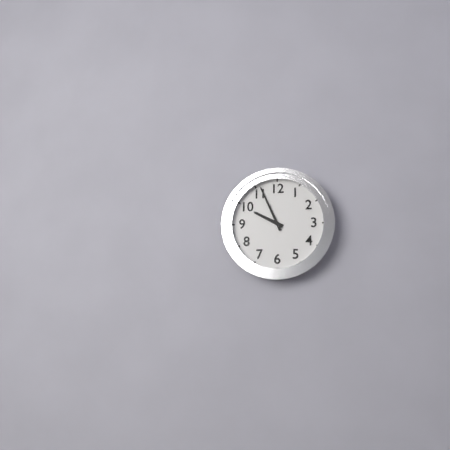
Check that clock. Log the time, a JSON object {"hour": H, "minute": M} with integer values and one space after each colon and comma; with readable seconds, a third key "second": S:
{"hour": 9, "minute": 56}
